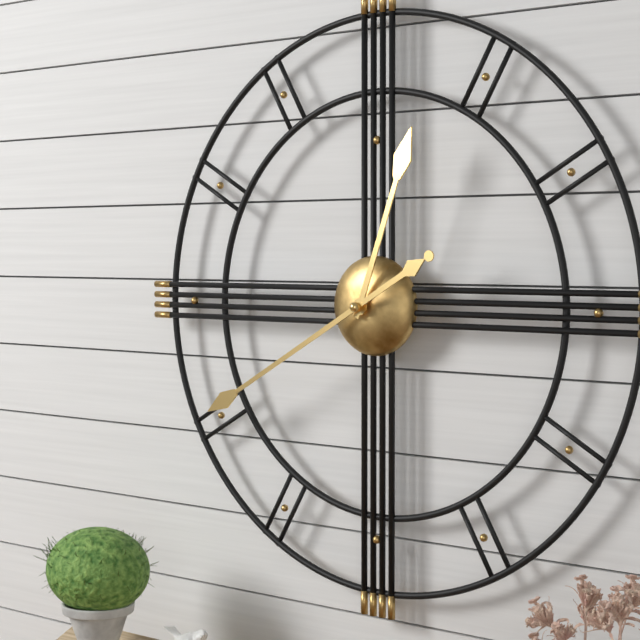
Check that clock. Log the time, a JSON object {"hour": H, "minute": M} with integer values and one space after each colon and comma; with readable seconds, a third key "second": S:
{"hour": 12, "minute": 40}
